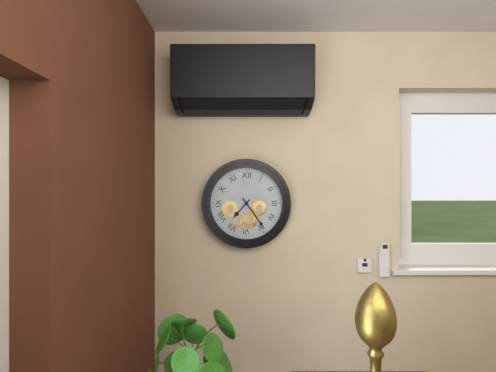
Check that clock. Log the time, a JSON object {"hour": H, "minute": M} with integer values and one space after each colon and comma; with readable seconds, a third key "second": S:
{"hour": 7, "minute": 24}
